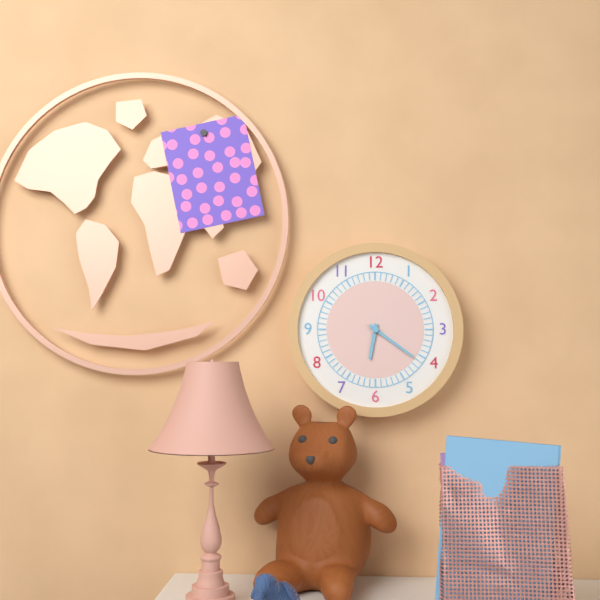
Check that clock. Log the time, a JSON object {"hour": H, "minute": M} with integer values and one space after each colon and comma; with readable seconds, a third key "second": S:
{"hour": 6, "minute": 21}
